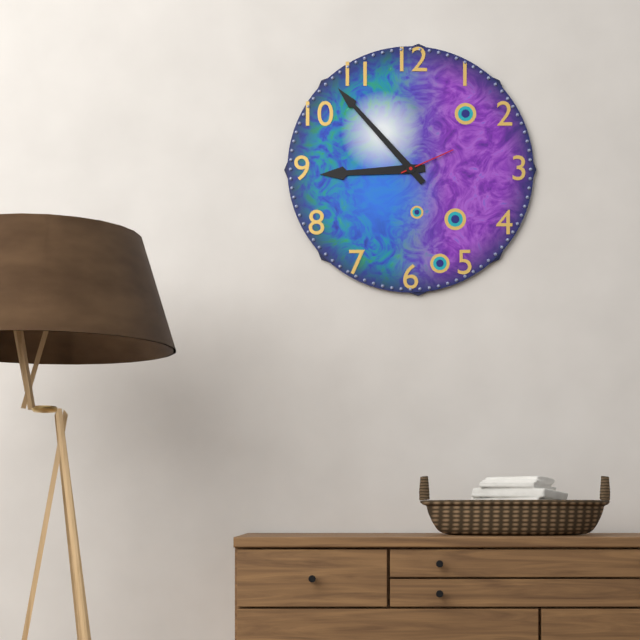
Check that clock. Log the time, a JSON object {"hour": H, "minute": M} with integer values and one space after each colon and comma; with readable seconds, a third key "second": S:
{"hour": 8, "minute": 53, "second": 11}
